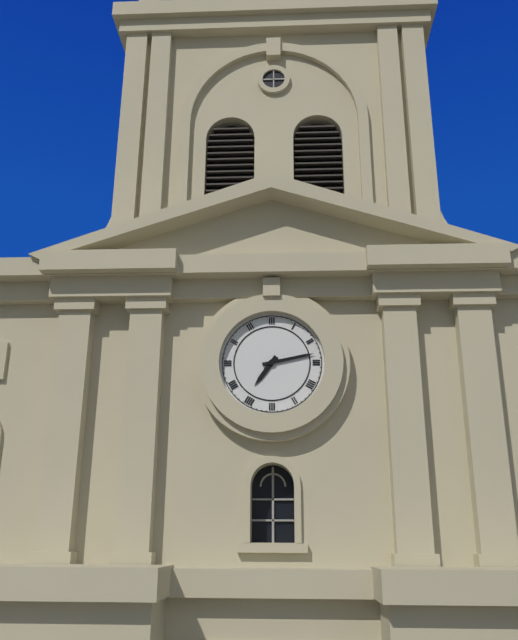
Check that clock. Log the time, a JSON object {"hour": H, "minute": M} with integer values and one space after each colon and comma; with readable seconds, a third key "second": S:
{"hour": 7, "minute": 13}
